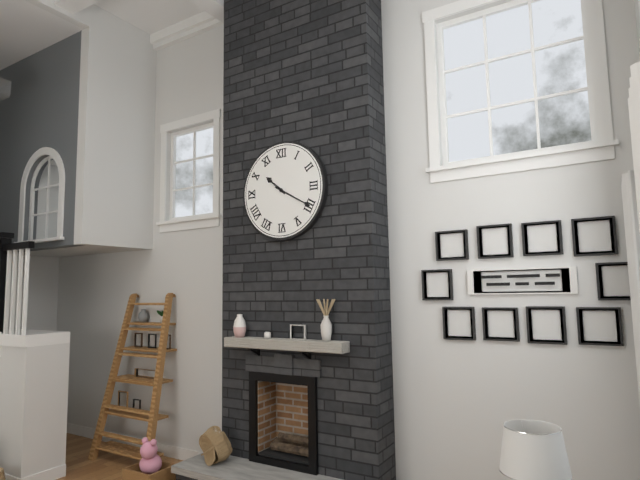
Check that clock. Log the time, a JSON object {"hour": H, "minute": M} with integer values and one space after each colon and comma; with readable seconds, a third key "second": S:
{"hour": 10, "minute": 20}
